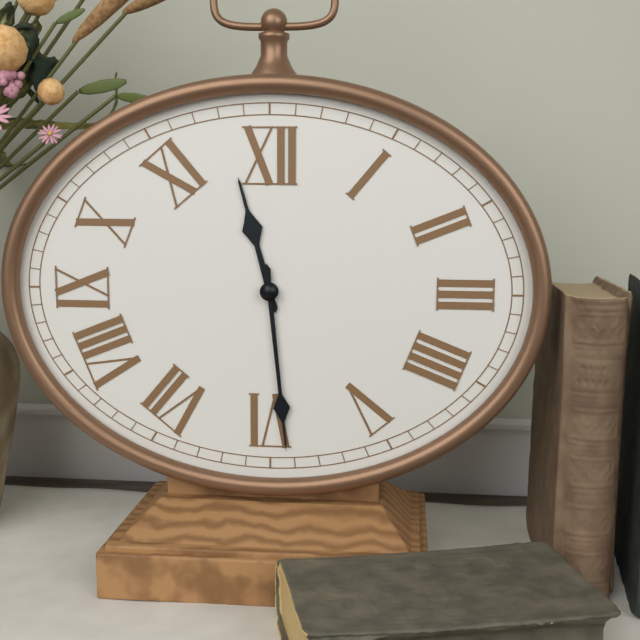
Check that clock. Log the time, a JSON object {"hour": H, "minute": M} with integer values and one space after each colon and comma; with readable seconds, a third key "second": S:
{"hour": 11, "minute": 29}
